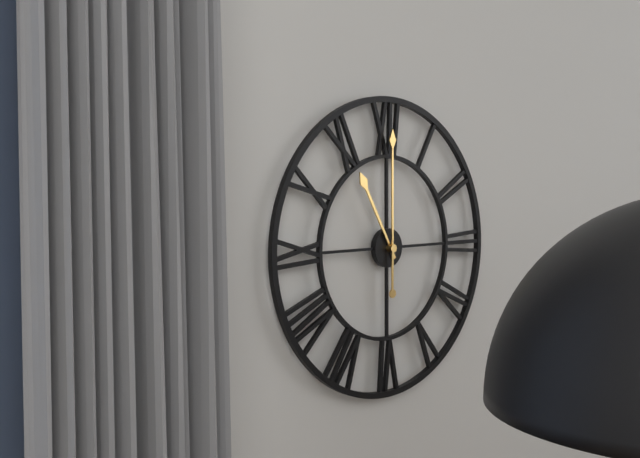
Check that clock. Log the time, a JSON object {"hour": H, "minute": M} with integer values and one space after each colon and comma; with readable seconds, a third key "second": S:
{"hour": 11, "minute": 0}
